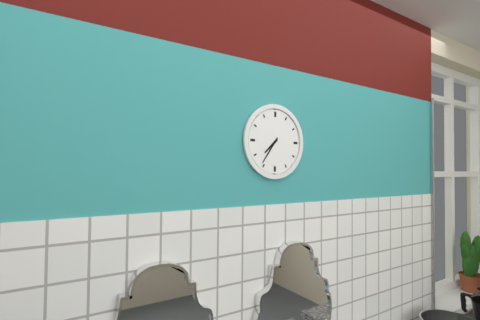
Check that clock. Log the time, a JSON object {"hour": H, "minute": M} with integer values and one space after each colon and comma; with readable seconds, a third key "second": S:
{"hour": 7, "minute": 36}
